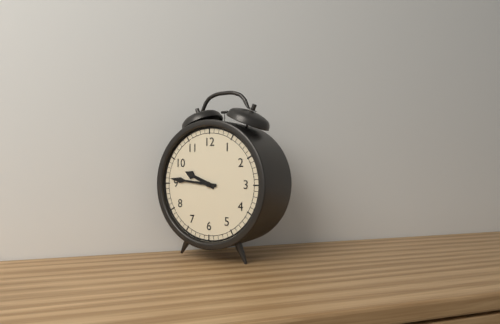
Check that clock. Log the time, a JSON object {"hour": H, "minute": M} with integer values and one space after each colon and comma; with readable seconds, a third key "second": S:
{"hour": 9, "minute": 46}
